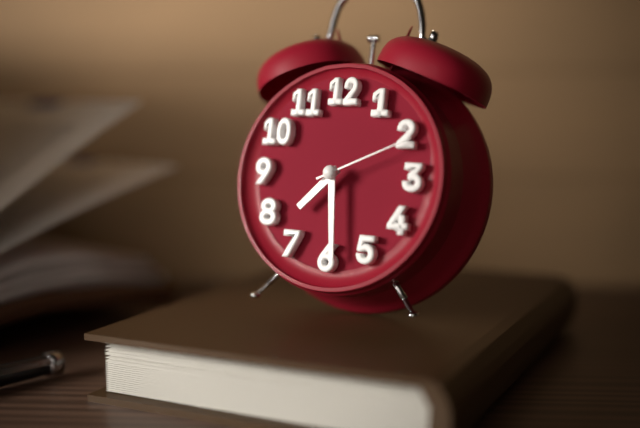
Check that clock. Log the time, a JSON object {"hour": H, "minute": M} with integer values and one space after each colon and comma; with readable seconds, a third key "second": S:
{"hour": 7, "minute": 29, "second": 11}
